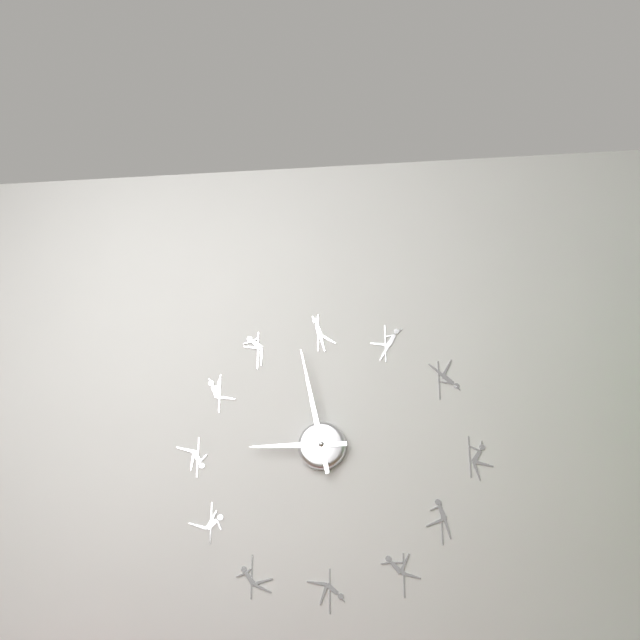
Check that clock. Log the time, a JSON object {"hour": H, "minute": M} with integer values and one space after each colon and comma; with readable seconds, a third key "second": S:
{"hour": 8, "minute": 58}
